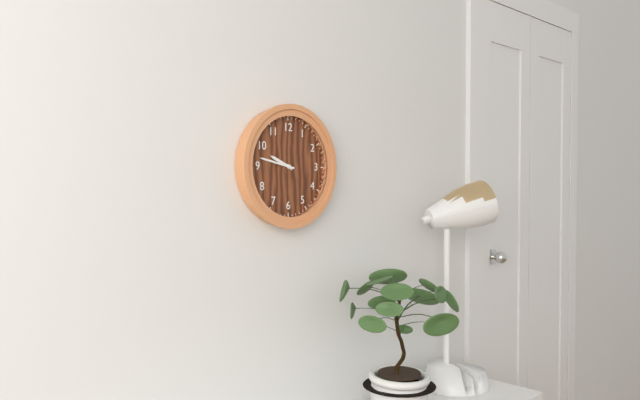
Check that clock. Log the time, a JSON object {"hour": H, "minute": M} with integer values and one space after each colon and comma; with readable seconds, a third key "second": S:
{"hour": 9, "minute": 47}
